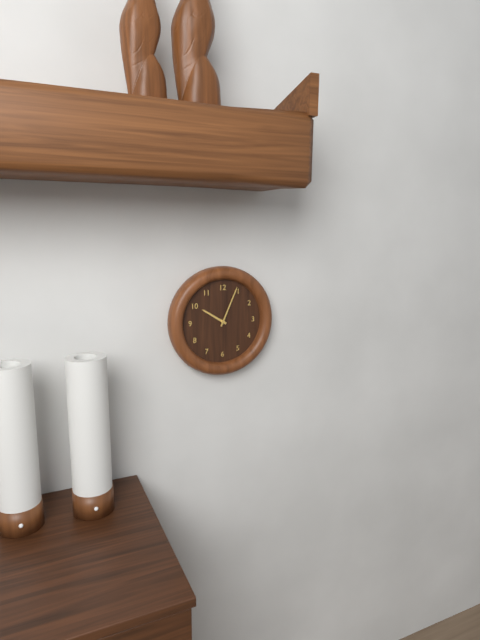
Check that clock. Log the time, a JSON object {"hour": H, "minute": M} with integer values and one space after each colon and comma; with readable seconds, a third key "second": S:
{"hour": 10, "minute": 4}
